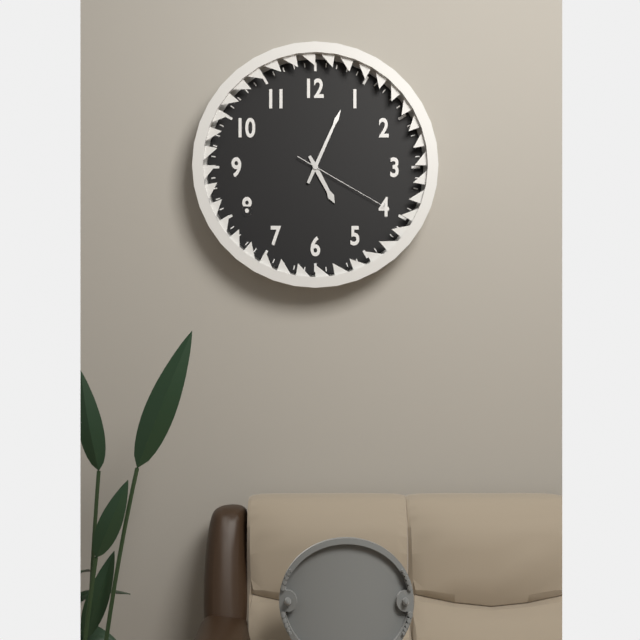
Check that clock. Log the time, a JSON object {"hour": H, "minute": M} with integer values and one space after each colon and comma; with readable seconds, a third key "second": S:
{"hour": 5, "minute": 4, "second": 20}
